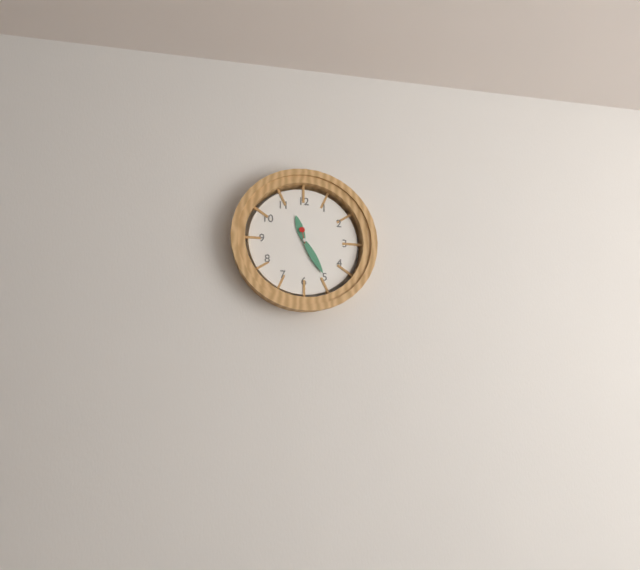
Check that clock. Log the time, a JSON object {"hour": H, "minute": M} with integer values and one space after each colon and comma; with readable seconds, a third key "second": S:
{"hour": 11, "minute": 25}
